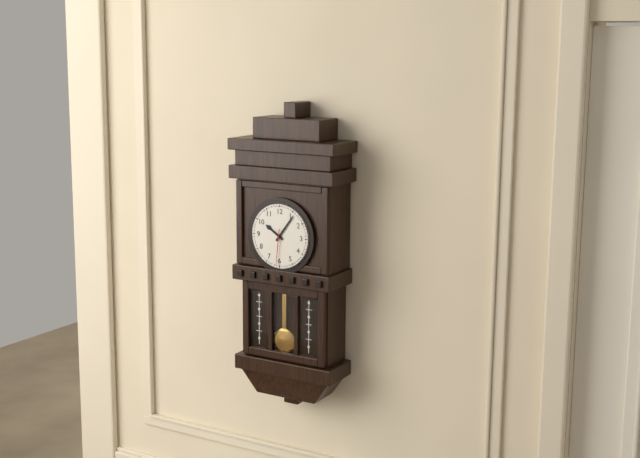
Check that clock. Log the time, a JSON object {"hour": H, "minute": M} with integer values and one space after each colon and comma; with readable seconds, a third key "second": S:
{"hour": 10, "minute": 6}
